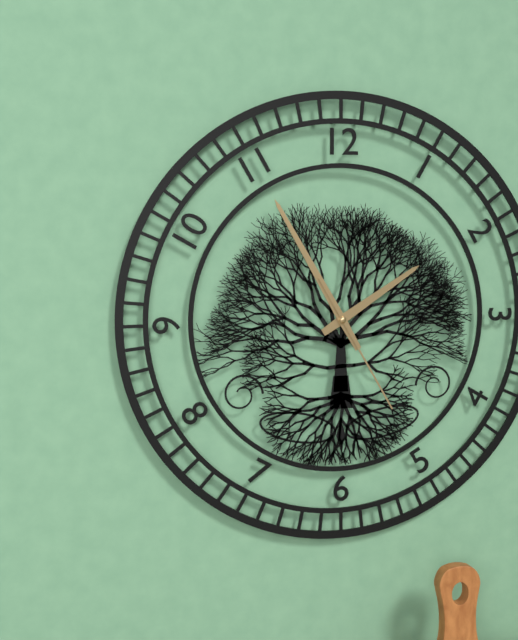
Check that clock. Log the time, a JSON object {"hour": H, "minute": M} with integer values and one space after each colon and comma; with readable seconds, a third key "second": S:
{"hour": 1, "minute": 55, "second": 25}
